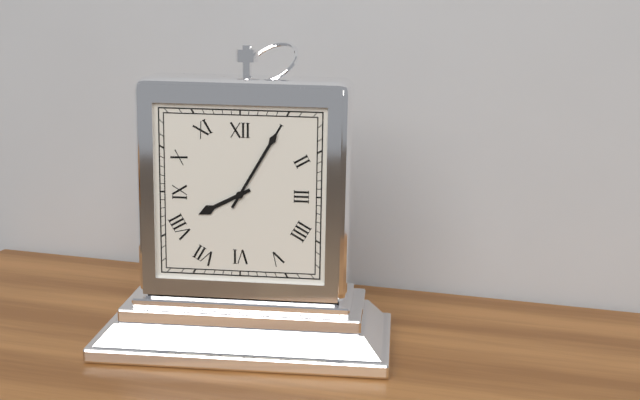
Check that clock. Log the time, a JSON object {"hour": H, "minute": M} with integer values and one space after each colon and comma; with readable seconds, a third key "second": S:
{"hour": 8, "minute": 5}
